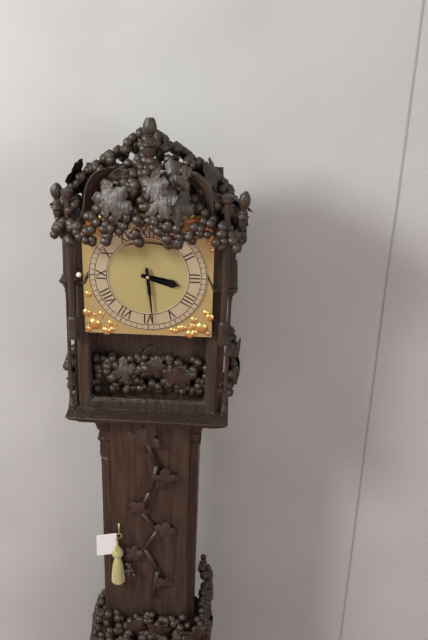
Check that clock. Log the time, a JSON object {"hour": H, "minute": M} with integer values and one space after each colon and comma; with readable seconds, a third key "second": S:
{"hour": 3, "minute": 29}
